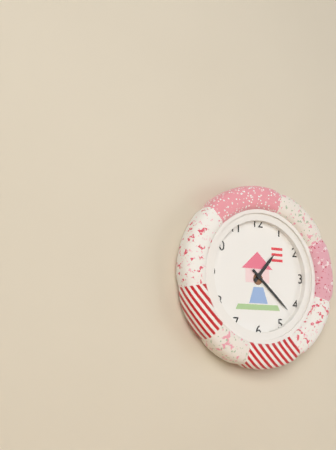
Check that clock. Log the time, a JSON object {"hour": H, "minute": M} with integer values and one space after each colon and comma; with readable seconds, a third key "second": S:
{"hour": 1, "minute": 22}
